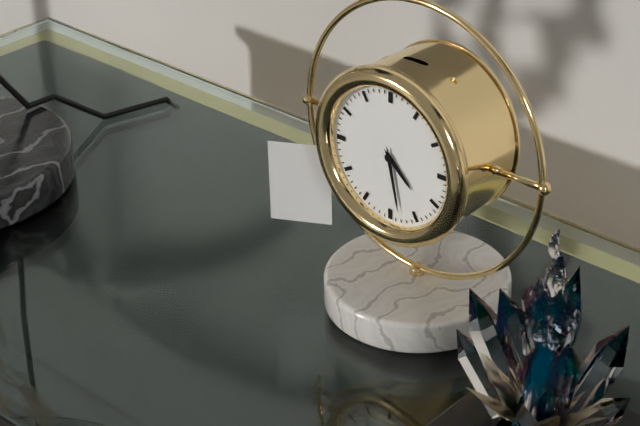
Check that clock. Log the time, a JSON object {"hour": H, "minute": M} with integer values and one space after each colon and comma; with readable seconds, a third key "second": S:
{"hour": 4, "minute": 28}
